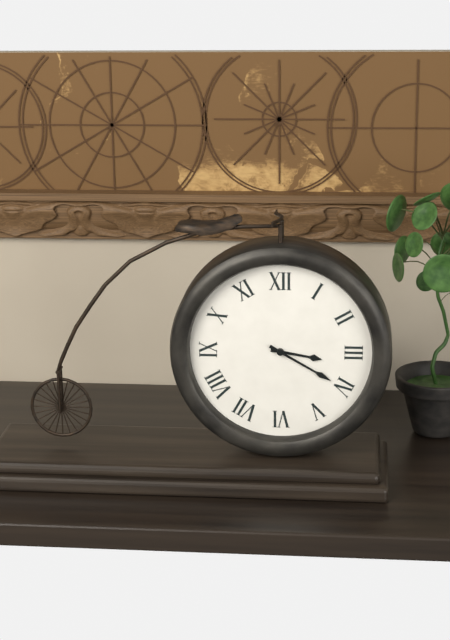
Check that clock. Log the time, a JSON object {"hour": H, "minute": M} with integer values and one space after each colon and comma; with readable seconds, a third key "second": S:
{"hour": 3, "minute": 20}
